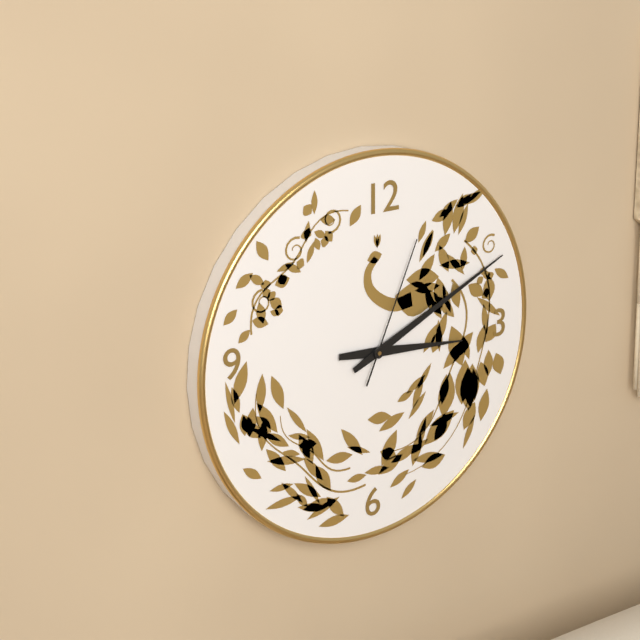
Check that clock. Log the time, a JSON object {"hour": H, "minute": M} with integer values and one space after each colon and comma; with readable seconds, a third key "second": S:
{"hour": 3, "minute": 11, "second": 4}
